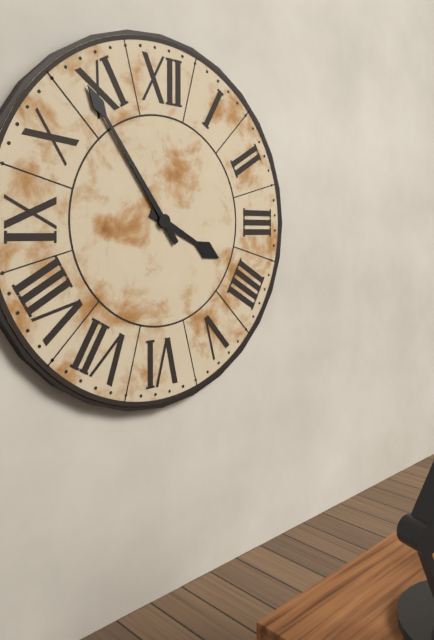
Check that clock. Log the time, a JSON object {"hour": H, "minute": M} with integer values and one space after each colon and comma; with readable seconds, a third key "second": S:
{"hour": 3, "minute": 54}
